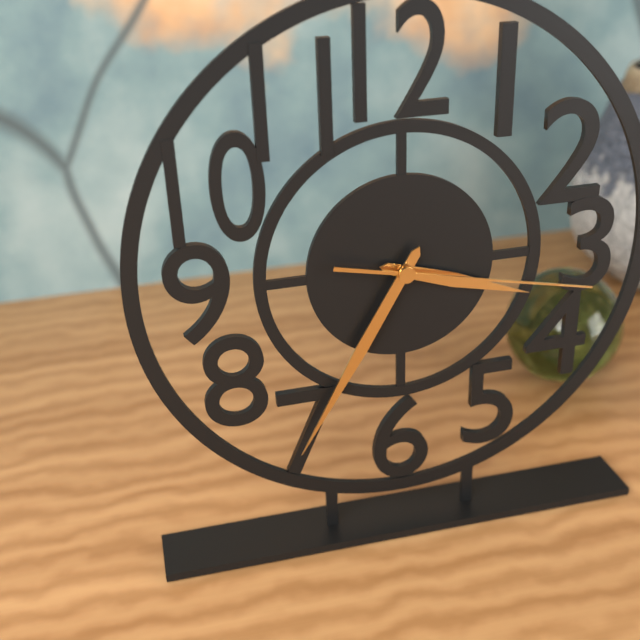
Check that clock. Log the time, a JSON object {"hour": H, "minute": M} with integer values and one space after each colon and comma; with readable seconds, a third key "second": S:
{"hour": 3, "minute": 35, "second": 17}
